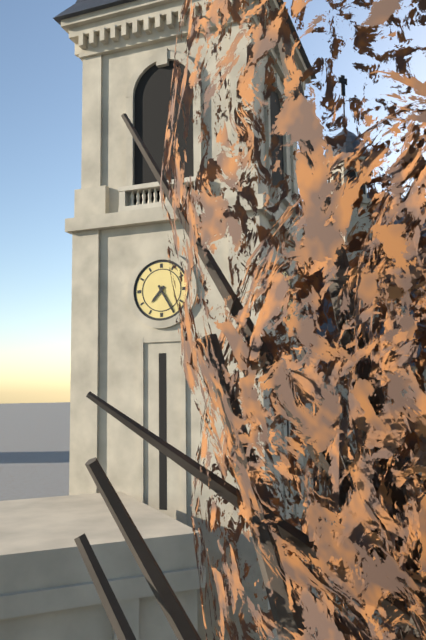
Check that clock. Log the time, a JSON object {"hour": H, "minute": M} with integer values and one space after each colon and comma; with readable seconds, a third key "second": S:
{"hour": 7, "minute": 25}
